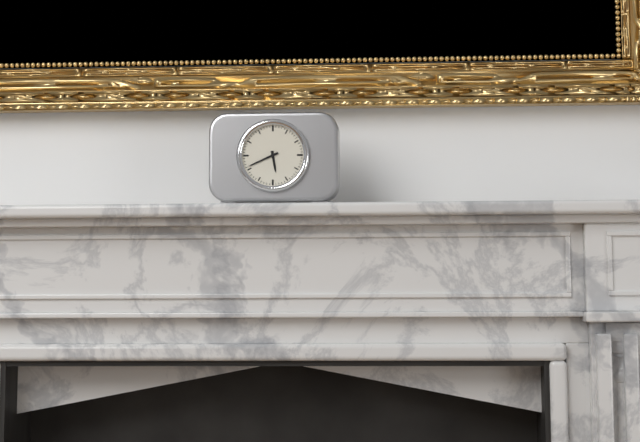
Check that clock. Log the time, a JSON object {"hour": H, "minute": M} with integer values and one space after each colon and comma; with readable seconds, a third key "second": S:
{"hour": 5, "minute": 41}
